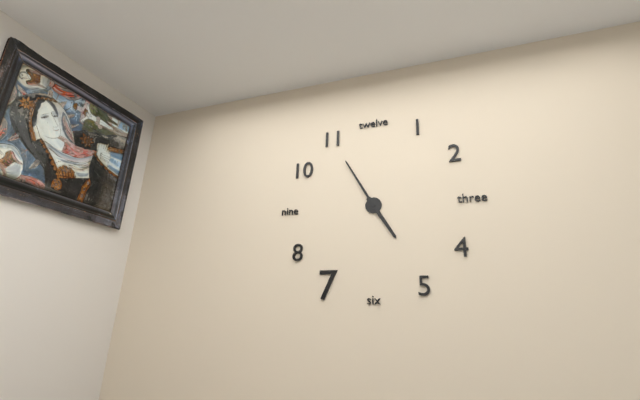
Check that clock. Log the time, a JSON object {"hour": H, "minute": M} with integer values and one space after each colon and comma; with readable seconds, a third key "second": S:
{"hour": 4, "minute": 55}
